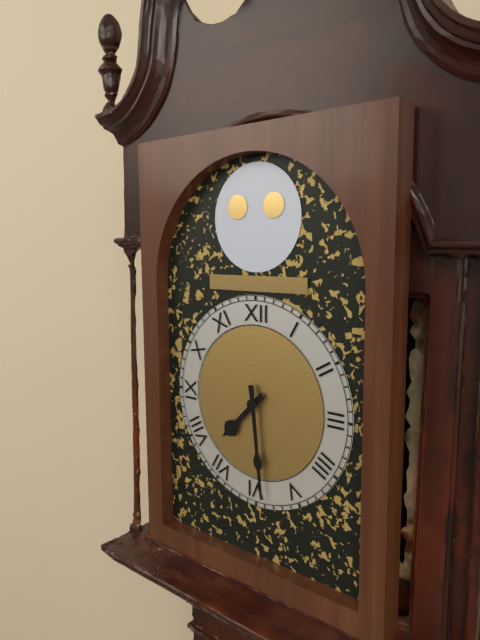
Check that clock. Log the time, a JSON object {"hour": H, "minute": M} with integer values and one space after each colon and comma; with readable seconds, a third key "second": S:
{"hour": 7, "minute": 29}
